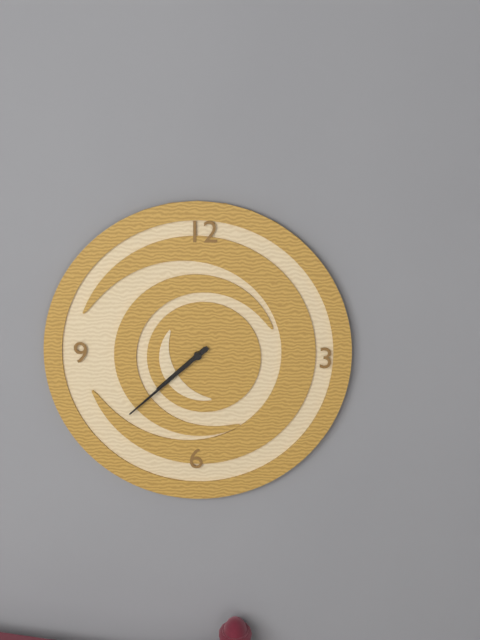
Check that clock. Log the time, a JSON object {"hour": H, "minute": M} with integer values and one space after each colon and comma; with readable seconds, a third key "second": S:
{"hour": 7, "minute": 38}
